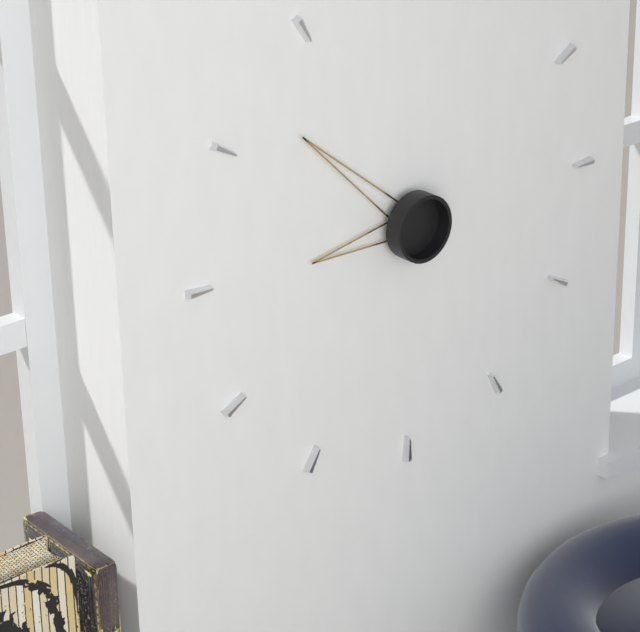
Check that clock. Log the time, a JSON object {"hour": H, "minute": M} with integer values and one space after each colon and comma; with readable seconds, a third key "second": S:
{"hour": 8, "minute": 52}
